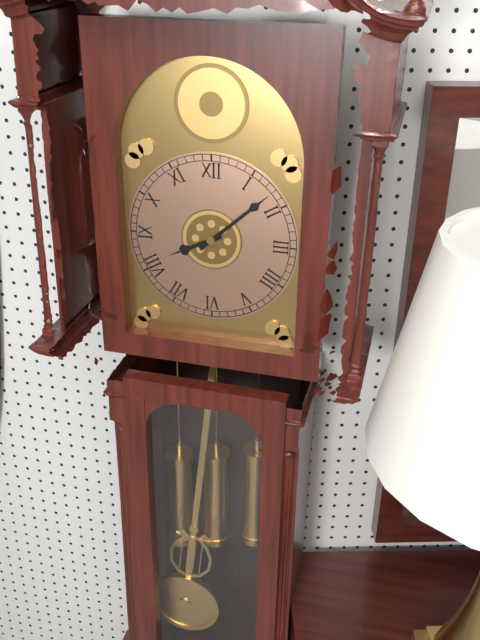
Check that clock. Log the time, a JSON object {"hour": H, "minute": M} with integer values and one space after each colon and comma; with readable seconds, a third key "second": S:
{"hour": 8, "minute": 8}
